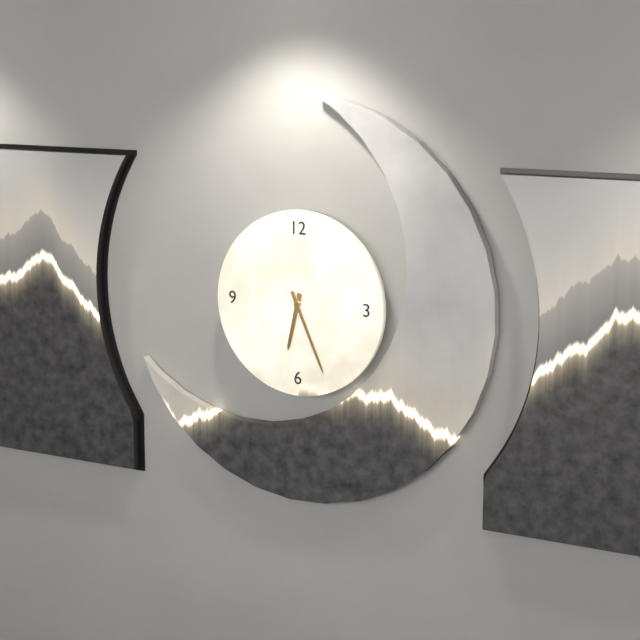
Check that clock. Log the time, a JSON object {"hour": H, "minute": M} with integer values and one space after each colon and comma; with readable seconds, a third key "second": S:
{"hour": 6, "minute": 26}
